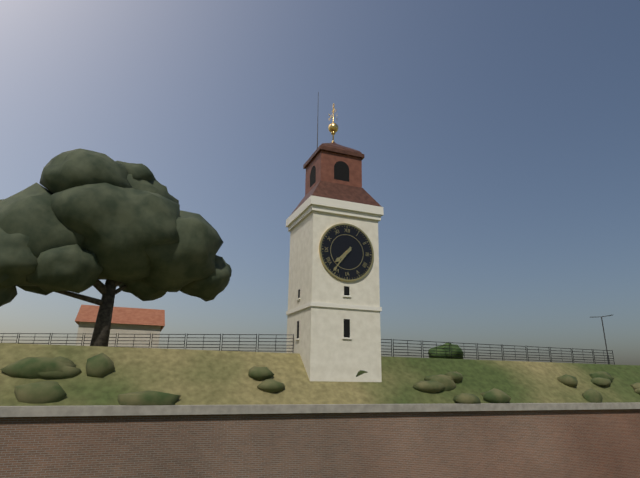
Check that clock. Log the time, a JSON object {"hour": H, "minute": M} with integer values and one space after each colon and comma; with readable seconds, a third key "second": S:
{"hour": 7, "minute": 36}
